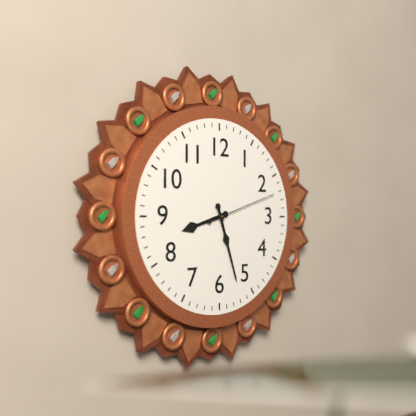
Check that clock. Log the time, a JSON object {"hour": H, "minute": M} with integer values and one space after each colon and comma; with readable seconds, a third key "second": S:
{"hour": 8, "minute": 27, "second": 12}
